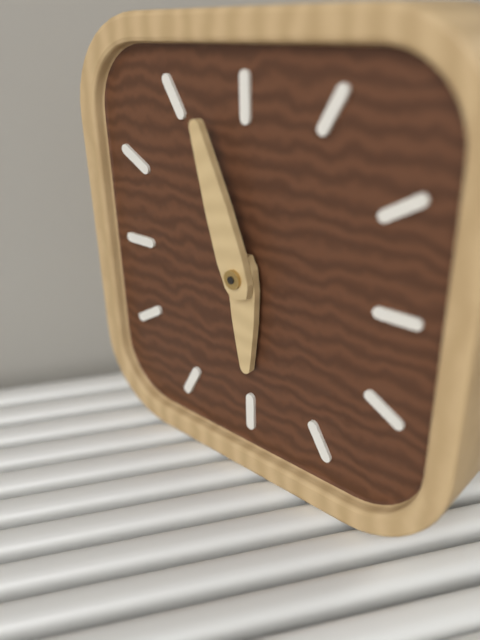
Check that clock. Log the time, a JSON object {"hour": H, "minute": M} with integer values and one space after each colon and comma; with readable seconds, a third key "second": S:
{"hour": 5, "minute": 57}
